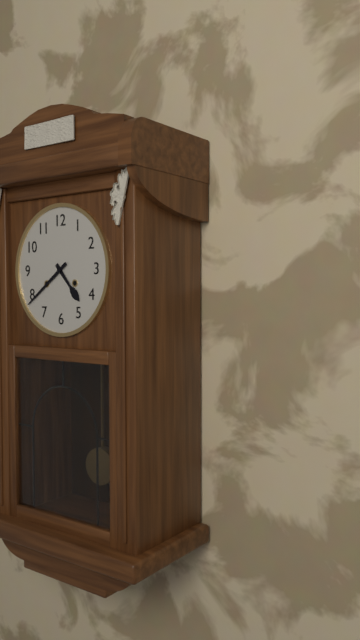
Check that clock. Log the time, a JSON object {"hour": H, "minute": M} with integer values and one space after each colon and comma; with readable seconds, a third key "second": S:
{"hour": 4, "minute": 39}
